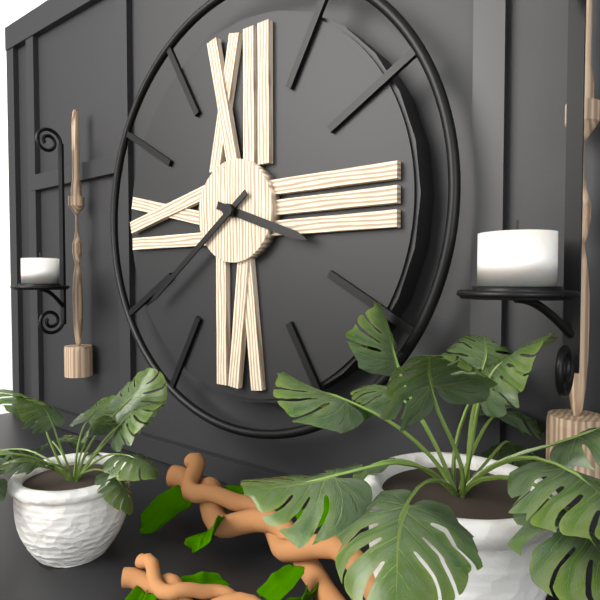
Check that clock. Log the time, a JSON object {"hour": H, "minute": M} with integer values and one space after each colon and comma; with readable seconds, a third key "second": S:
{"hour": 3, "minute": 39}
